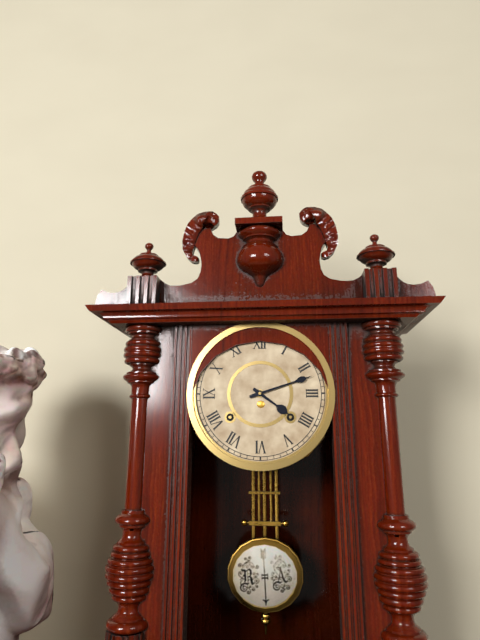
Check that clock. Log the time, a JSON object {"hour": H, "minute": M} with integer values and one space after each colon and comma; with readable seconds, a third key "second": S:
{"hour": 4, "minute": 12}
